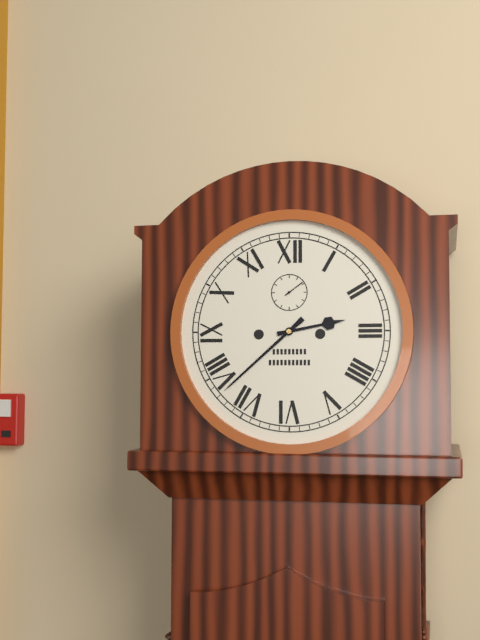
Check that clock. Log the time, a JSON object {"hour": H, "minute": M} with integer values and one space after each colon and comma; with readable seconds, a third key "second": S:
{"hour": 2, "minute": 38}
